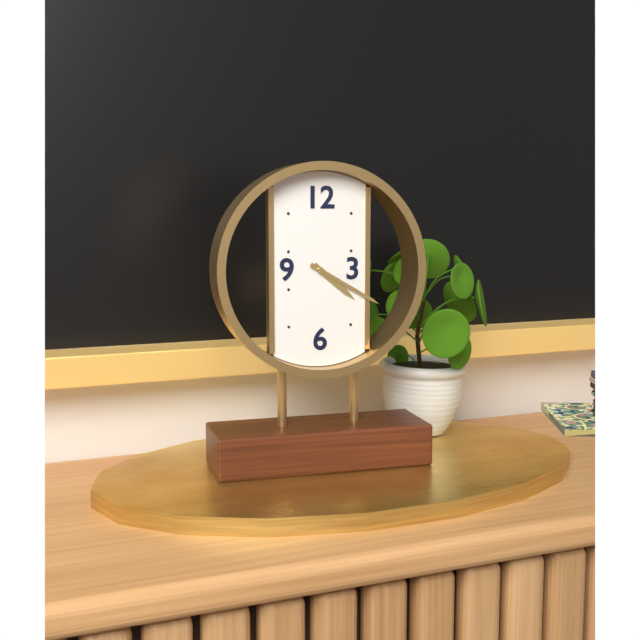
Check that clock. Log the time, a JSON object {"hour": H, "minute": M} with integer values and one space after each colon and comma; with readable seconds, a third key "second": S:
{"hour": 4, "minute": 20}
